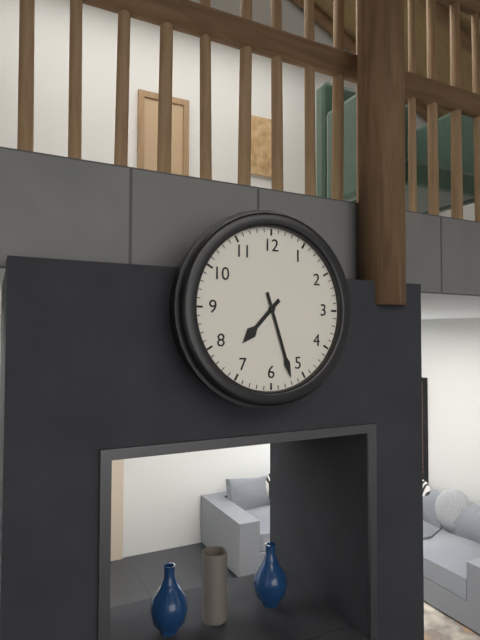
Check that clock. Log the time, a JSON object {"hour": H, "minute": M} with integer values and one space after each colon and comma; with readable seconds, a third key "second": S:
{"hour": 7, "minute": 27}
